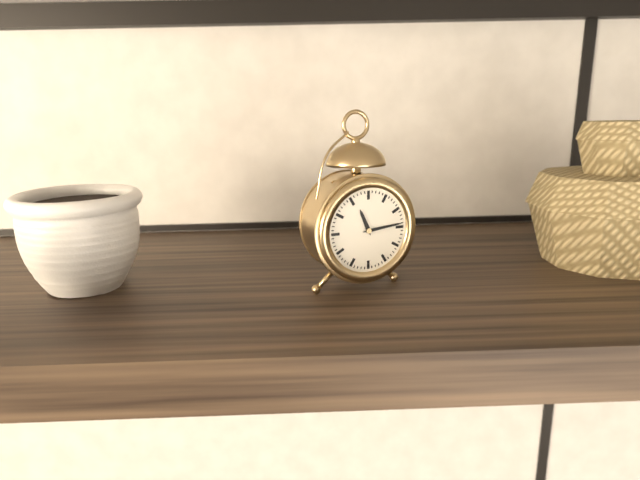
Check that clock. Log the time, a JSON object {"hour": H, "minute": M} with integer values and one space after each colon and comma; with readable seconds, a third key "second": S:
{"hour": 11, "minute": 14}
